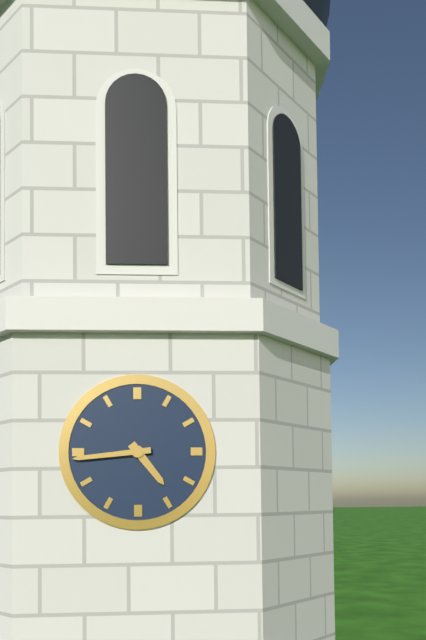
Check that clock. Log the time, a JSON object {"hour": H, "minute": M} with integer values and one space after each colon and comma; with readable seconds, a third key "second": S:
{"hour": 4, "minute": 44}
